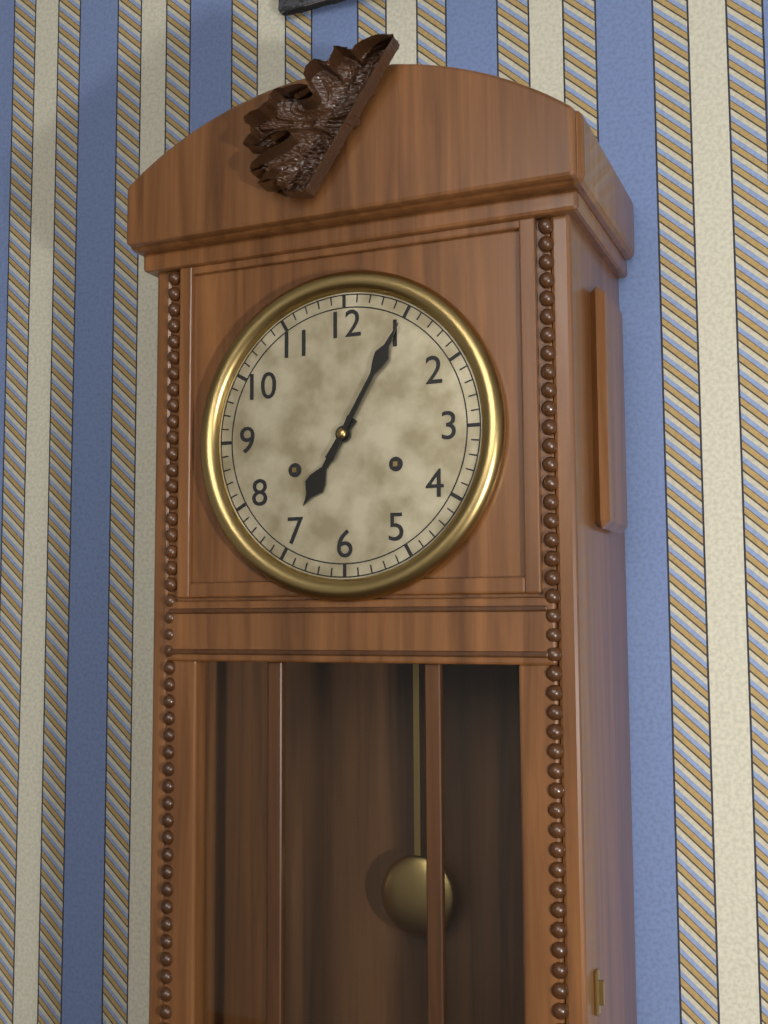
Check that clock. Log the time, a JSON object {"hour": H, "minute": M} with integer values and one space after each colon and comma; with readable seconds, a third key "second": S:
{"hour": 7, "minute": 5}
